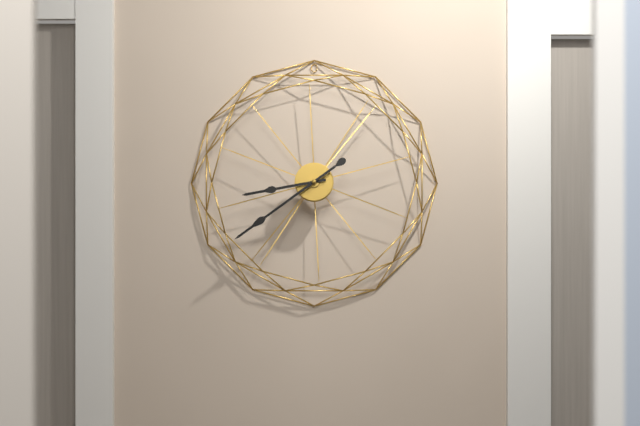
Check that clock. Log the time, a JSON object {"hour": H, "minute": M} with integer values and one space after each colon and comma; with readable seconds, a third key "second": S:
{"hour": 8, "minute": 39}
